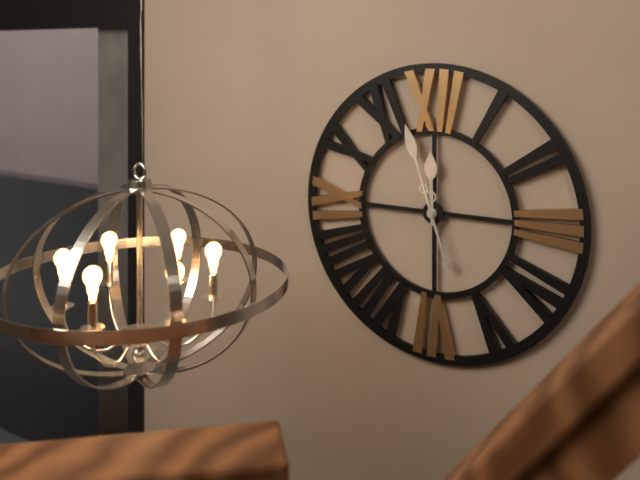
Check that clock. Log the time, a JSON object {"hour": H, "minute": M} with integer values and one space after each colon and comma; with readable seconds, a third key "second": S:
{"hour": 11, "minute": 57}
